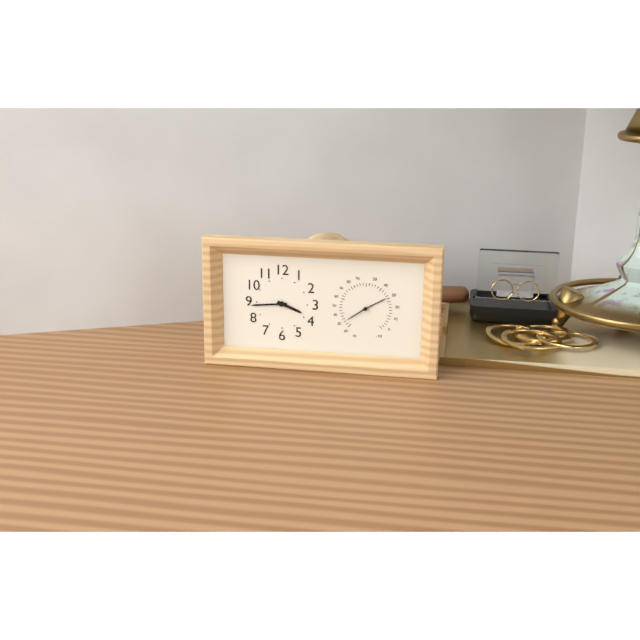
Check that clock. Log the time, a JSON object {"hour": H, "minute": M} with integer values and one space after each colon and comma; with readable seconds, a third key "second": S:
{"hour": 3, "minute": 44}
